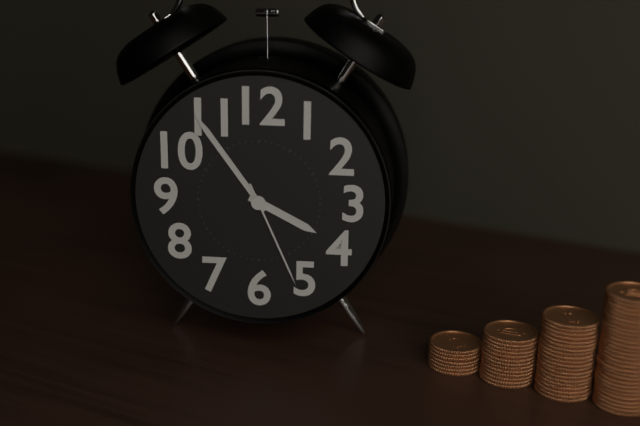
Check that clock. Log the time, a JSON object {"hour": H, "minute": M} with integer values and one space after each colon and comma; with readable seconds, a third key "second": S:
{"hour": 3, "minute": 54, "second": 26}
